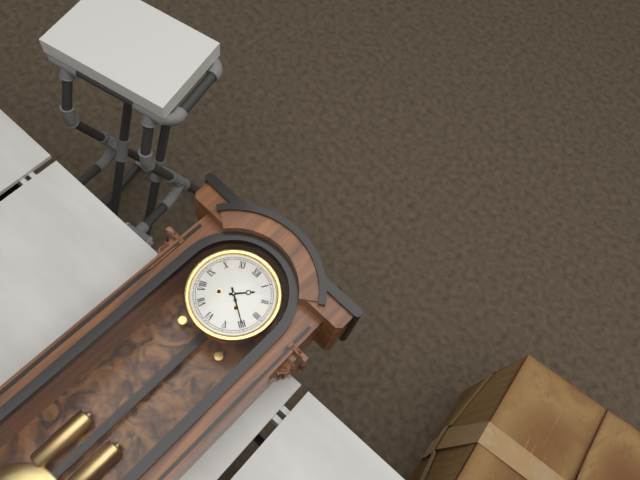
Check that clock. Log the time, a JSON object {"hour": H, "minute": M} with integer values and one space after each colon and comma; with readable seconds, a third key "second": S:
{"hour": 1, "minute": 20}
